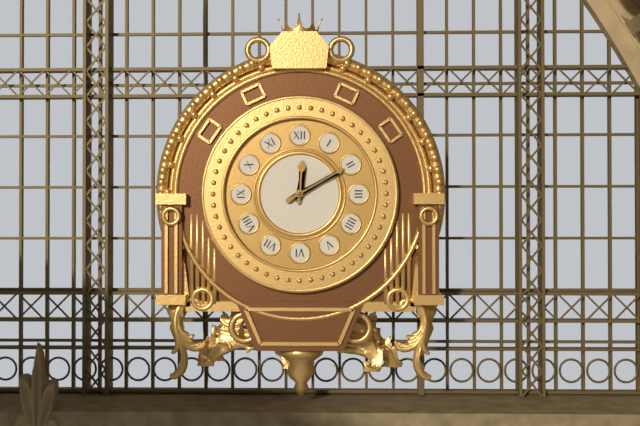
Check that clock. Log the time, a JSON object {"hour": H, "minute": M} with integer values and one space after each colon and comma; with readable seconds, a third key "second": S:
{"hour": 12, "minute": 10}
